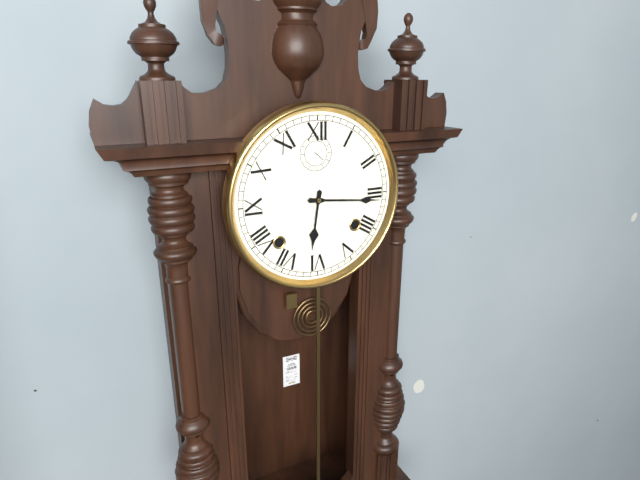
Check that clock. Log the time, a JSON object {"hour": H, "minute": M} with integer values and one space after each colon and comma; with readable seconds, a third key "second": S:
{"hour": 6, "minute": 16}
